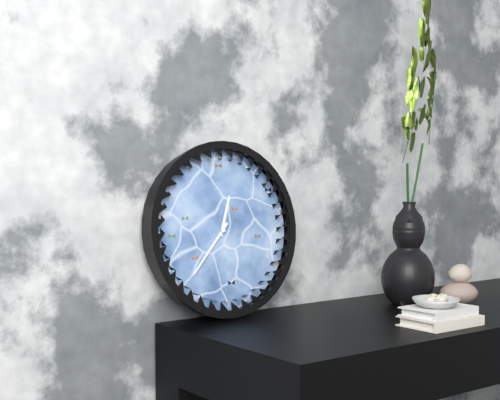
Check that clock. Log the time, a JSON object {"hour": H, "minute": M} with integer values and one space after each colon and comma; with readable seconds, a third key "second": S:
{"hour": 12, "minute": 37}
